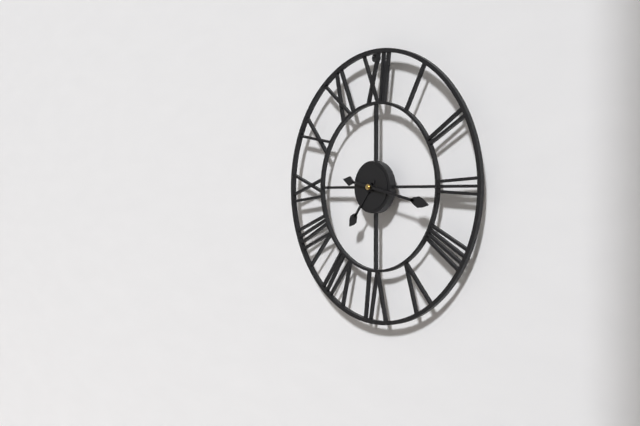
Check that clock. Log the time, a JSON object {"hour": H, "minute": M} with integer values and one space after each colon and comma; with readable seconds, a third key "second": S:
{"hour": 7, "minute": 17}
